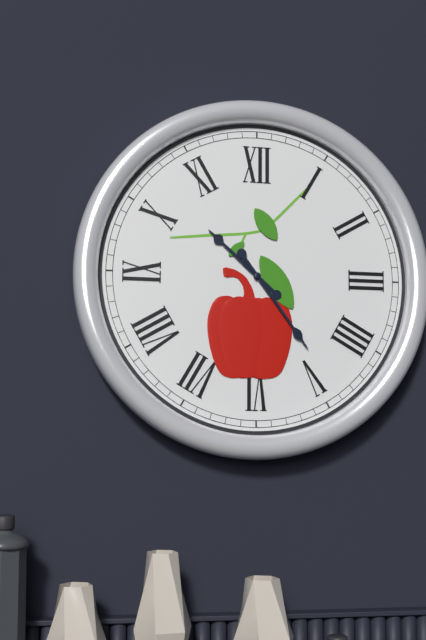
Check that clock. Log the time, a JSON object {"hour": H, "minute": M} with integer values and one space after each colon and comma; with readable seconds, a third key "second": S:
{"hour": 10, "minute": 24}
